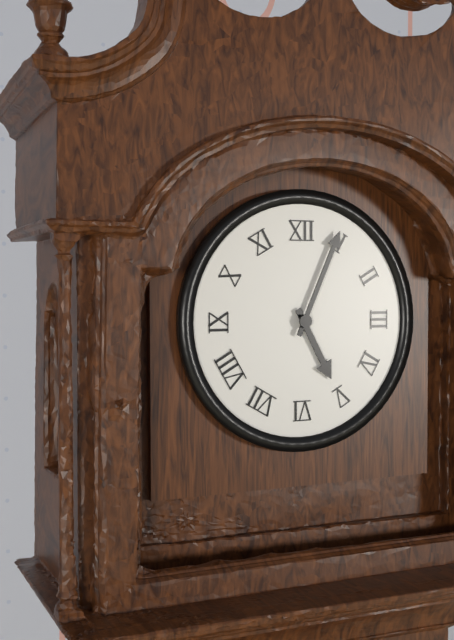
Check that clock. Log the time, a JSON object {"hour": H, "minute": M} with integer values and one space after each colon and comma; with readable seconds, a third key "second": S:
{"hour": 5, "minute": 4}
